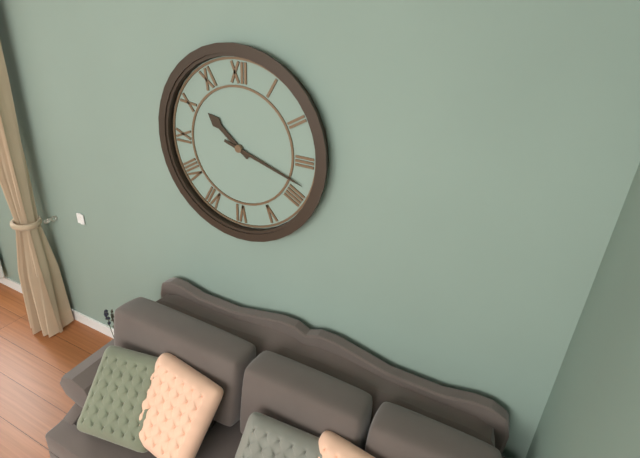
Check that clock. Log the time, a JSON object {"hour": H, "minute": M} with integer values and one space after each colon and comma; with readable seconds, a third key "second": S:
{"hour": 10, "minute": 18}
